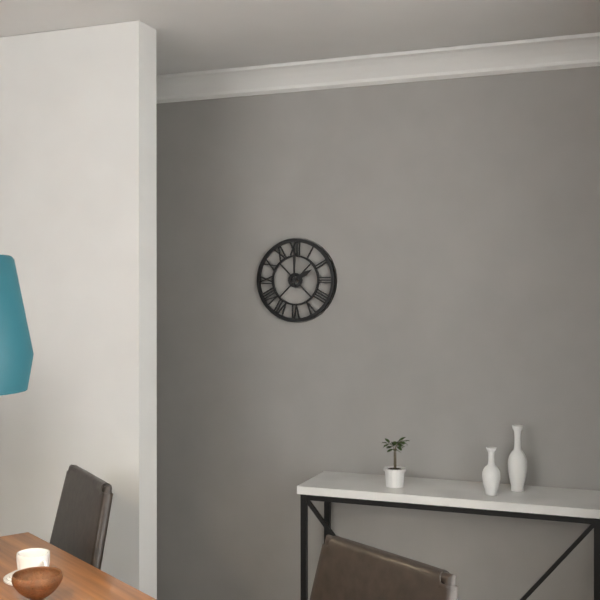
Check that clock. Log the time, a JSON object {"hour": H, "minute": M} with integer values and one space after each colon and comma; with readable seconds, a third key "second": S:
{"hour": 2, "minute": 0}
